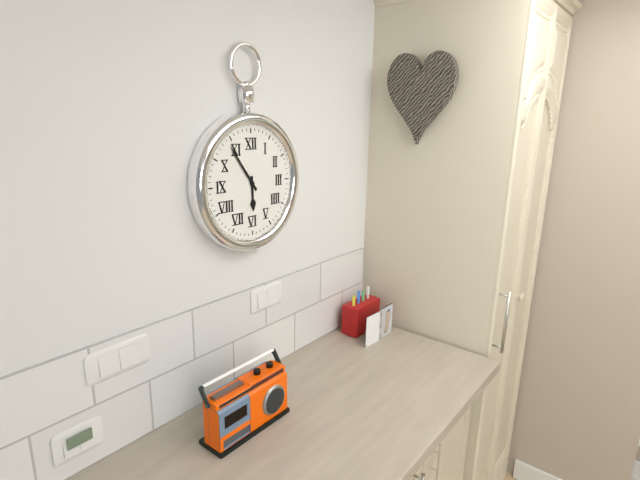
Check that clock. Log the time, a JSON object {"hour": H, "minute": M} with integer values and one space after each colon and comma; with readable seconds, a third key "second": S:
{"hour": 5, "minute": 54}
